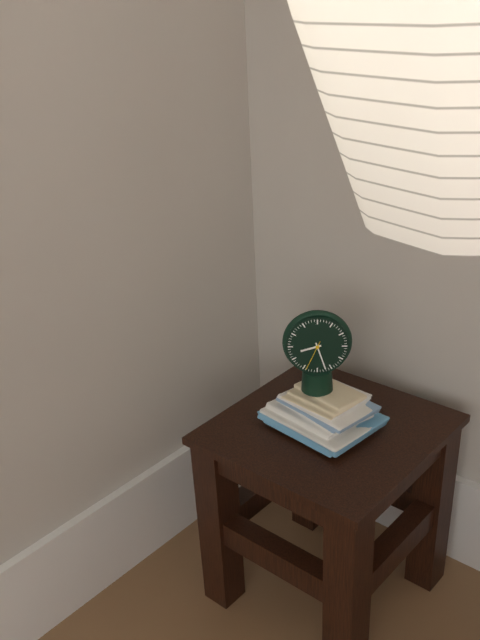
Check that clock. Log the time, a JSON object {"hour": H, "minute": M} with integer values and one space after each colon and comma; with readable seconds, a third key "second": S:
{"hour": 8, "minute": 27}
